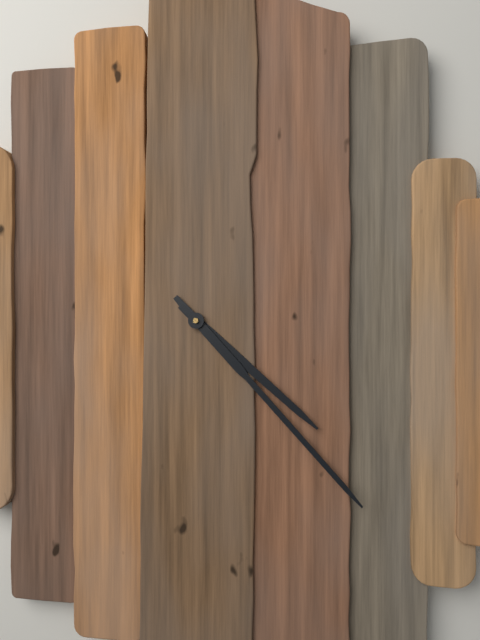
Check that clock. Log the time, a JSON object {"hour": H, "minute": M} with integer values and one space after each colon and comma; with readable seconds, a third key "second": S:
{"hour": 4, "minute": 23}
